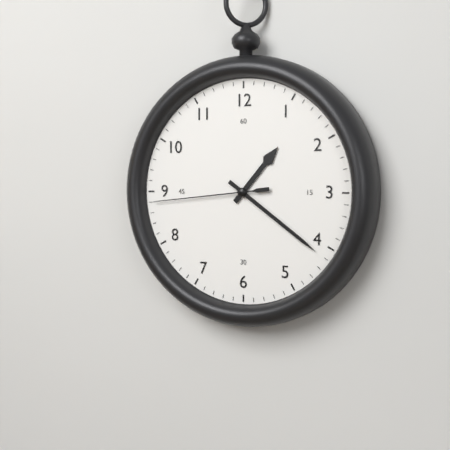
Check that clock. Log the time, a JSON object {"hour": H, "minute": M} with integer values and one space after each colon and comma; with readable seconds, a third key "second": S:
{"hour": 1, "minute": 21, "second": 44}
